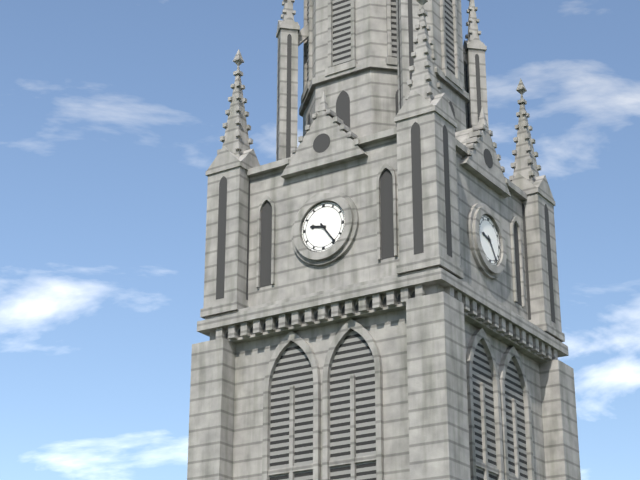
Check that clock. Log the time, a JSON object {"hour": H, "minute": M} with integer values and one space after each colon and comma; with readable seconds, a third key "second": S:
{"hour": 9, "minute": 24}
